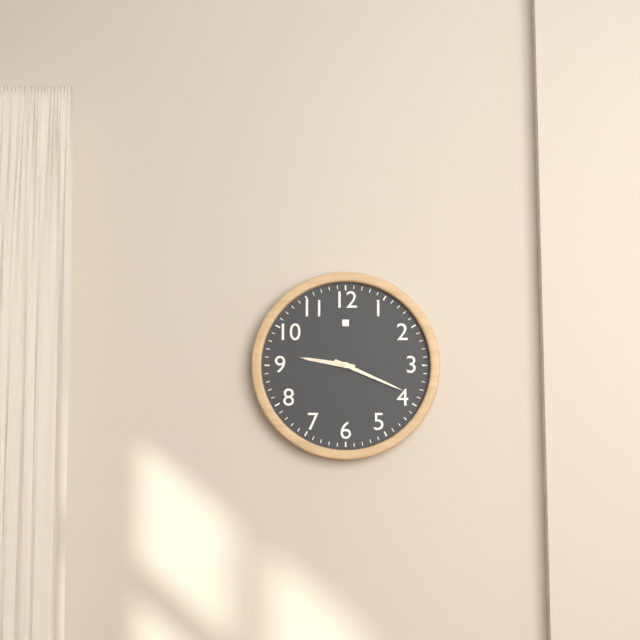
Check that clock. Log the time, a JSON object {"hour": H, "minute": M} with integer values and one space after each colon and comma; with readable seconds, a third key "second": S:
{"hour": 9, "minute": 19}
